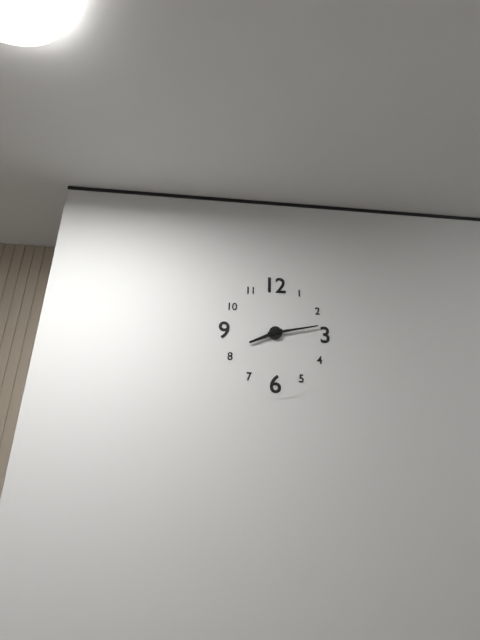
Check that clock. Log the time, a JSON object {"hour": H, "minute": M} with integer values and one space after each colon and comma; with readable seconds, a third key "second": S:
{"hour": 8, "minute": 13}
